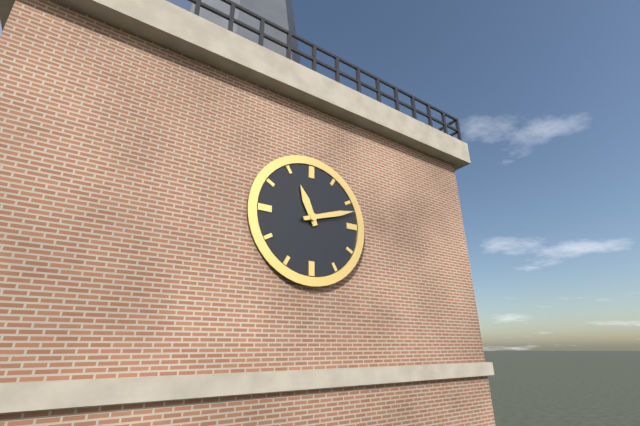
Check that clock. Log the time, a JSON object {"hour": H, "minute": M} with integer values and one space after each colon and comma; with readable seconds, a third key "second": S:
{"hour": 11, "minute": 12}
